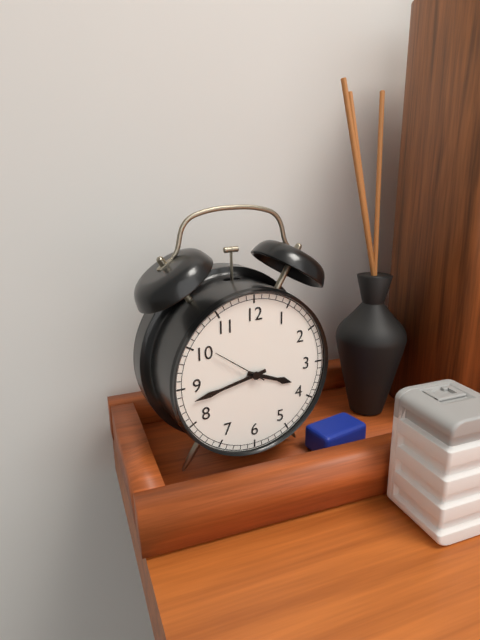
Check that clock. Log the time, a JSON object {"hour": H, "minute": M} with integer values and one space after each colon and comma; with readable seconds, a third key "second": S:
{"hour": 3, "minute": 43, "second": 51}
